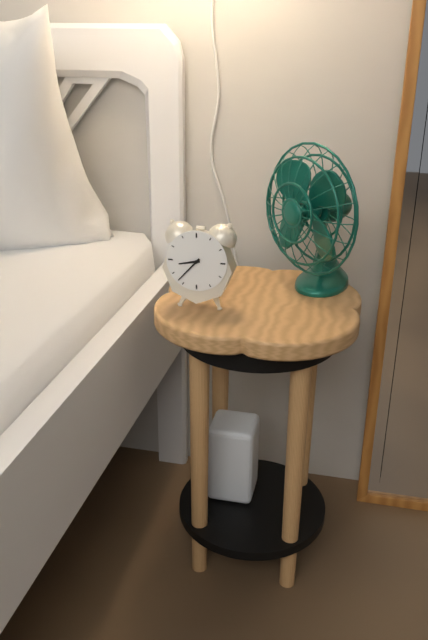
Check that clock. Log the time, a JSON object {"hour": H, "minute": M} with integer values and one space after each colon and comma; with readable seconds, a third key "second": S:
{"hour": 8, "minute": 37}
